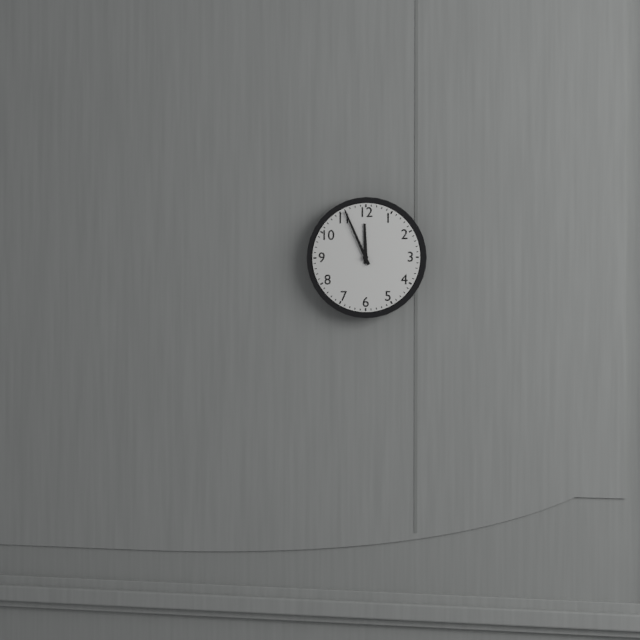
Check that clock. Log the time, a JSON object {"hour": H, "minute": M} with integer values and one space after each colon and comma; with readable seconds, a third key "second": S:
{"hour": 11, "minute": 56}
